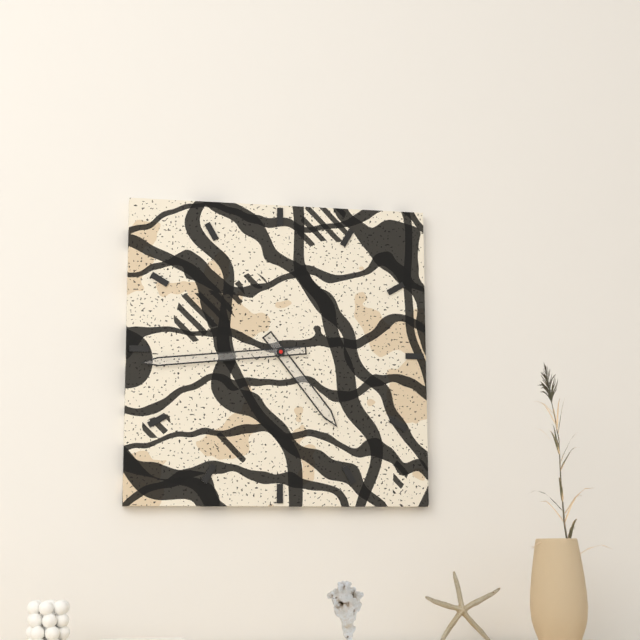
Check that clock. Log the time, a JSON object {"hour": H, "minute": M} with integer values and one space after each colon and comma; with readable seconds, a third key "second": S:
{"hour": 4, "minute": 44}
